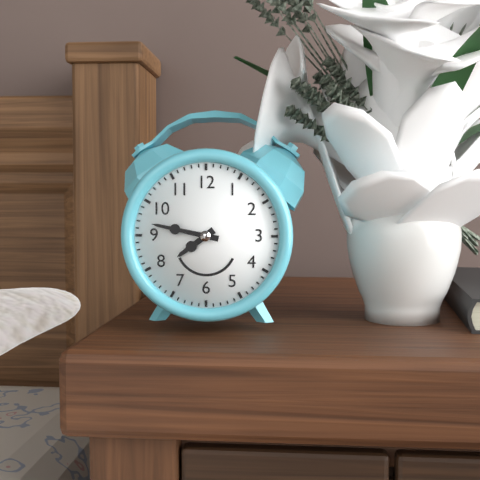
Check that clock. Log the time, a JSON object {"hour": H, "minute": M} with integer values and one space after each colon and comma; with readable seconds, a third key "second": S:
{"hour": 7, "minute": 47}
